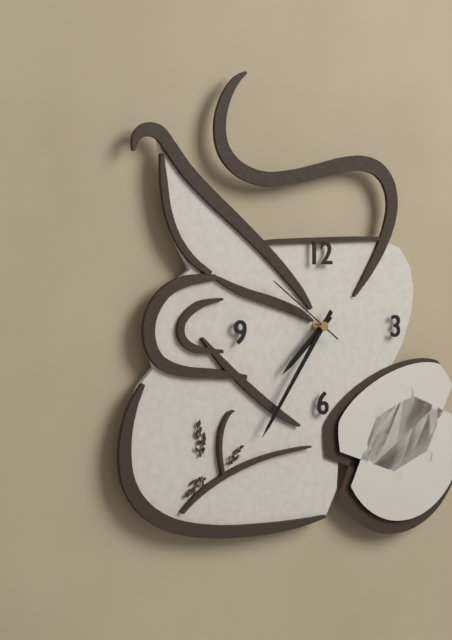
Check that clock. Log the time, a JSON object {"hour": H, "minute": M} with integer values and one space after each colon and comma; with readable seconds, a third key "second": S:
{"hour": 7, "minute": 36, "second": 51}
